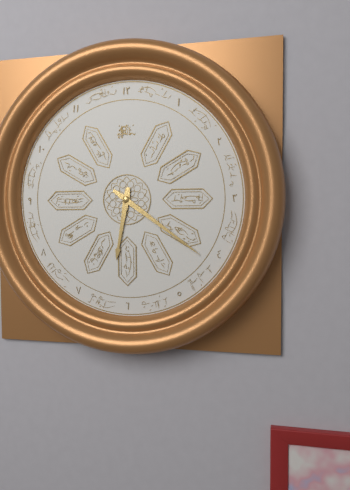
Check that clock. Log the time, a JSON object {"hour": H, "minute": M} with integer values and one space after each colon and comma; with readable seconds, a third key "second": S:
{"hour": 6, "minute": 21}
